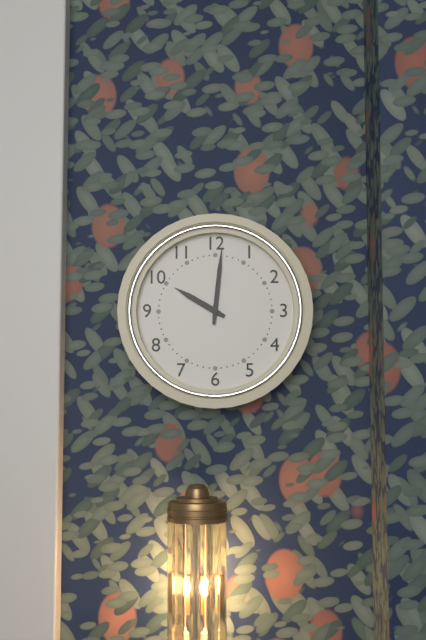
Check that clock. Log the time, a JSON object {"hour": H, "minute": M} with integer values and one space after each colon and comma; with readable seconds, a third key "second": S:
{"hour": 10, "minute": 1}
